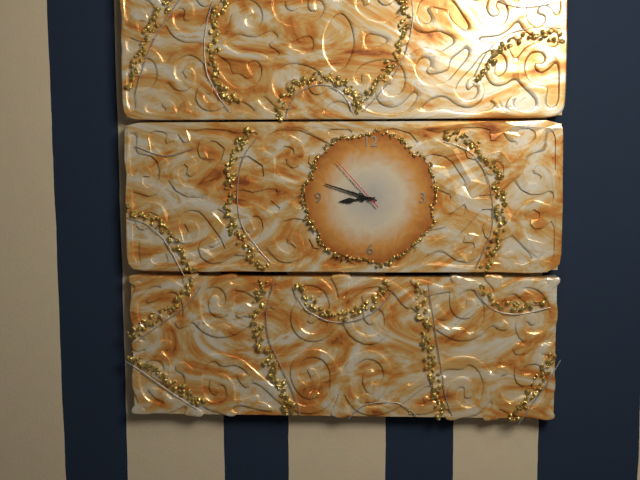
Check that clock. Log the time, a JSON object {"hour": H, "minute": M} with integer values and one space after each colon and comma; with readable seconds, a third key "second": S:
{"hour": 8, "minute": 48, "second": 53}
